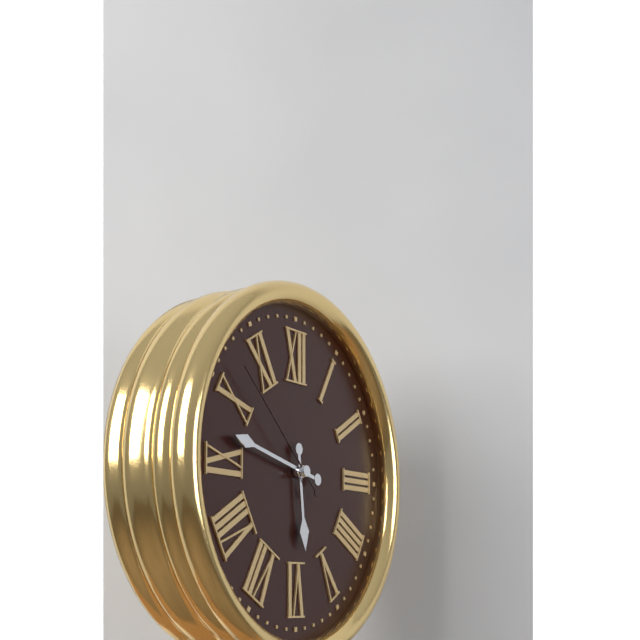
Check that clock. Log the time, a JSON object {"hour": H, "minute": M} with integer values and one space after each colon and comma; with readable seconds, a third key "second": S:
{"hour": 5, "minute": 47, "second": 52}
